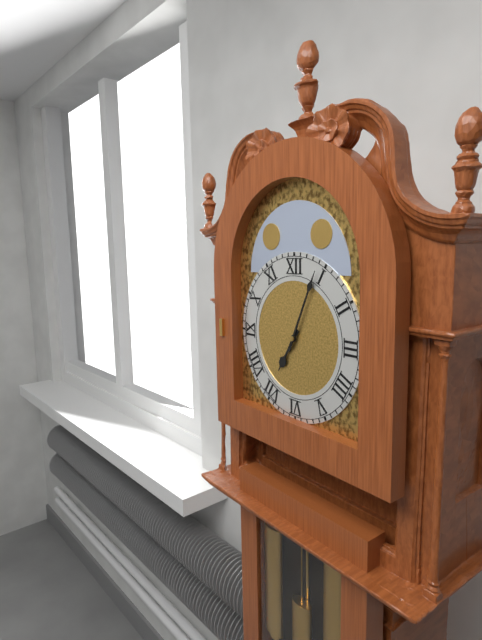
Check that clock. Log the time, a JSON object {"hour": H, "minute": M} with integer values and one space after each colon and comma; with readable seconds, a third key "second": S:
{"hour": 7, "minute": 4}
